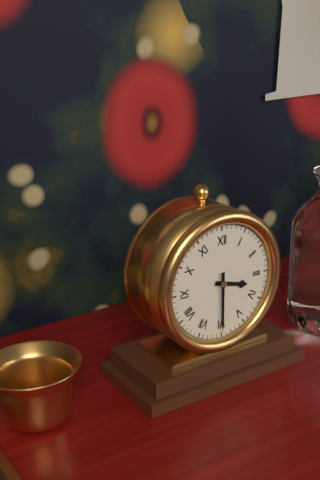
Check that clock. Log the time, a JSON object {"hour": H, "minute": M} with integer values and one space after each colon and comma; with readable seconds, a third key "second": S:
{"hour": 3, "minute": 30}
